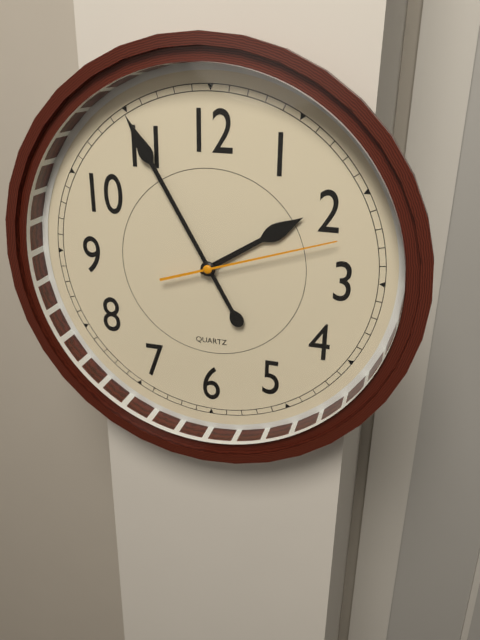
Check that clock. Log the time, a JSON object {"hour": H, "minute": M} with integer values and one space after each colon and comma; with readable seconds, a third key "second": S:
{"hour": 1, "minute": 55, "second": 12}
